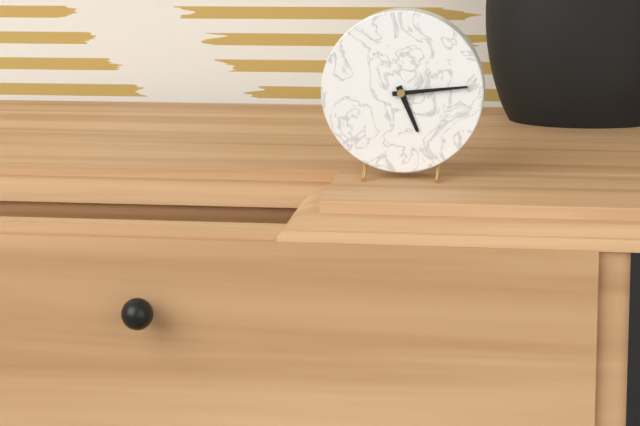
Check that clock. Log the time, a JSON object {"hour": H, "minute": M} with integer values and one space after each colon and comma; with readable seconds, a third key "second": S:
{"hour": 5, "minute": 14}
